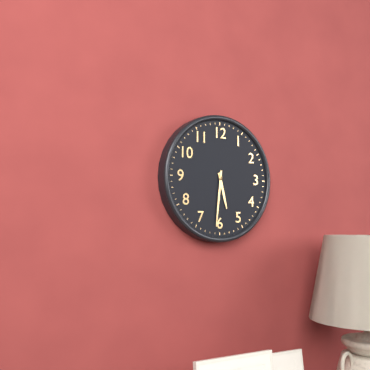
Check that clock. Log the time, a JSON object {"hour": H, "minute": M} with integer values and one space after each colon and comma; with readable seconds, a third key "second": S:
{"hour": 5, "minute": 31}
